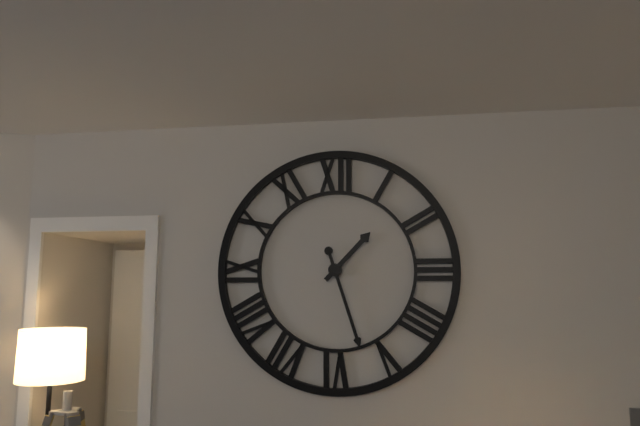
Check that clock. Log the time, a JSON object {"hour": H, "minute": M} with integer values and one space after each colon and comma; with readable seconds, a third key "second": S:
{"hour": 1, "minute": 27}
